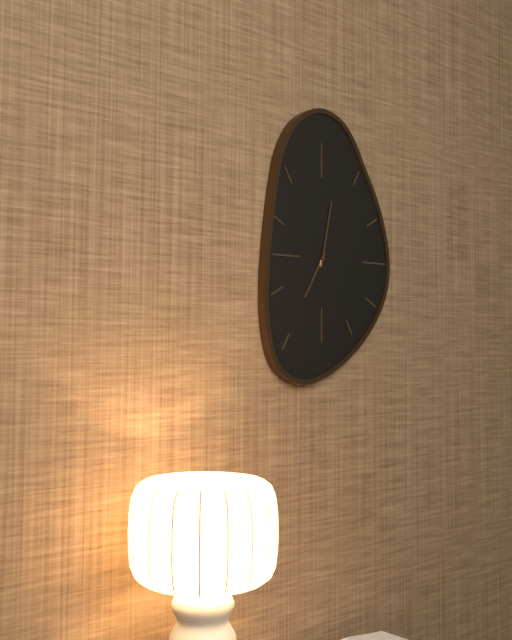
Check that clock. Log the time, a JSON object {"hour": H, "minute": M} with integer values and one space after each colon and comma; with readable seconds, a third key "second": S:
{"hour": 7, "minute": 2}
